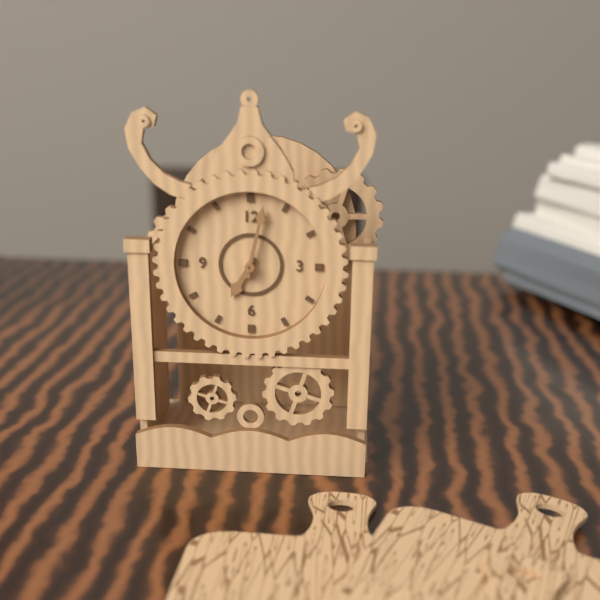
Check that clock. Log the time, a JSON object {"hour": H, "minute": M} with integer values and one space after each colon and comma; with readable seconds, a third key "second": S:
{"hour": 7, "minute": 2}
